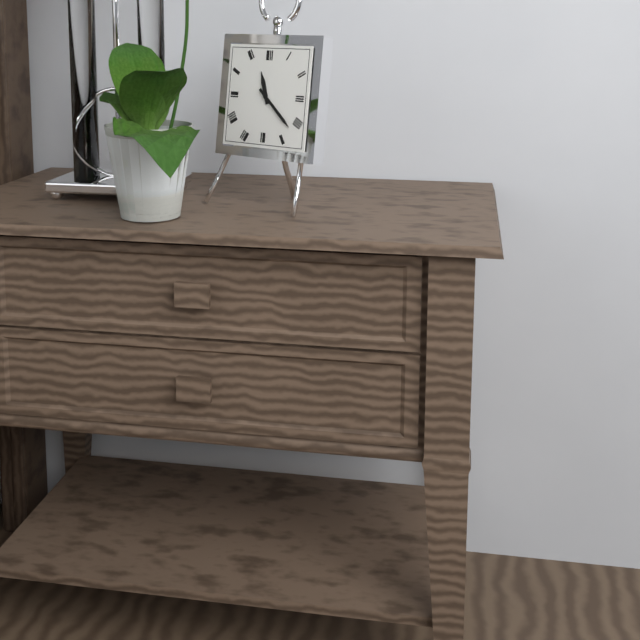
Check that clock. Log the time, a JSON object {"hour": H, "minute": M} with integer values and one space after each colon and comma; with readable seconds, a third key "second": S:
{"hour": 11, "minute": 22}
